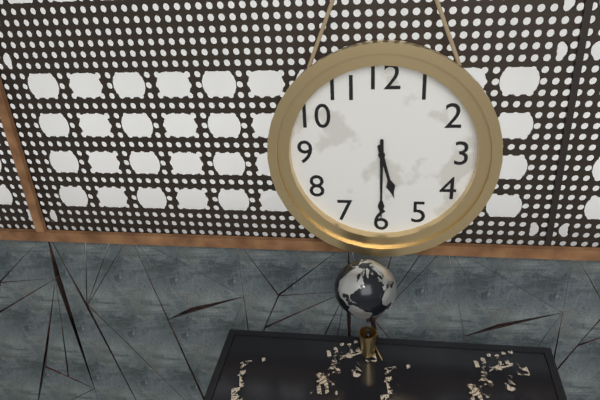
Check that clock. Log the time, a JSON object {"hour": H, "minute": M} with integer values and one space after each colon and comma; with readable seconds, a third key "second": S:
{"hour": 5, "minute": 30}
